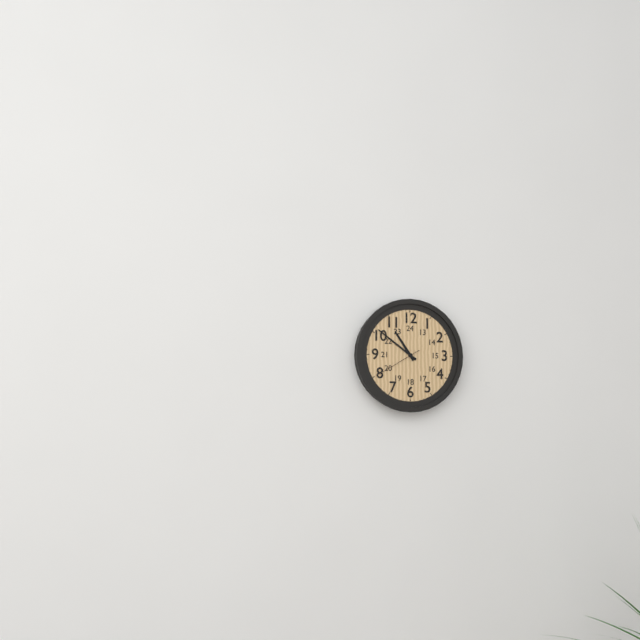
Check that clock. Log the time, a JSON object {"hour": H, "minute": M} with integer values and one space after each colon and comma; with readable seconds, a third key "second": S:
{"hour": 10, "minute": 51}
